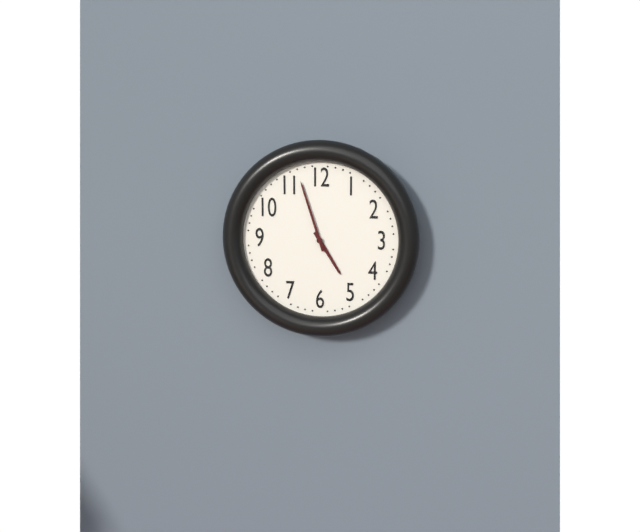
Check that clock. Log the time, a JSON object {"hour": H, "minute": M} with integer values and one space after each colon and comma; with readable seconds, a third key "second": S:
{"hour": 4, "minute": 57}
